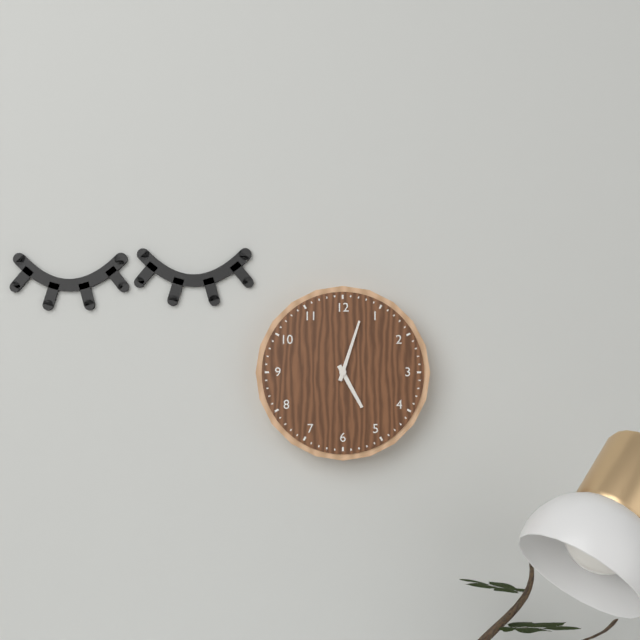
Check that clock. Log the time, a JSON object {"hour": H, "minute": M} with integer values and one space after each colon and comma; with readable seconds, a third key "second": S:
{"hour": 5, "minute": 3}
